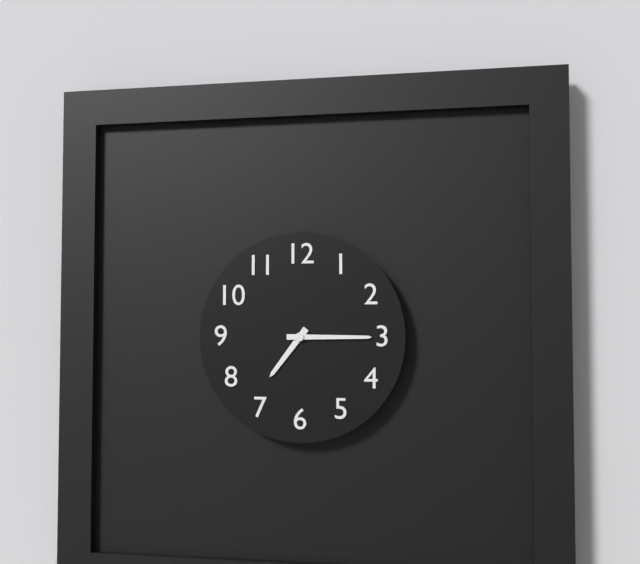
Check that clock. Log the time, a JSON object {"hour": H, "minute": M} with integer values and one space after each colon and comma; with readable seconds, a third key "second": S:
{"hour": 7, "minute": 15}
